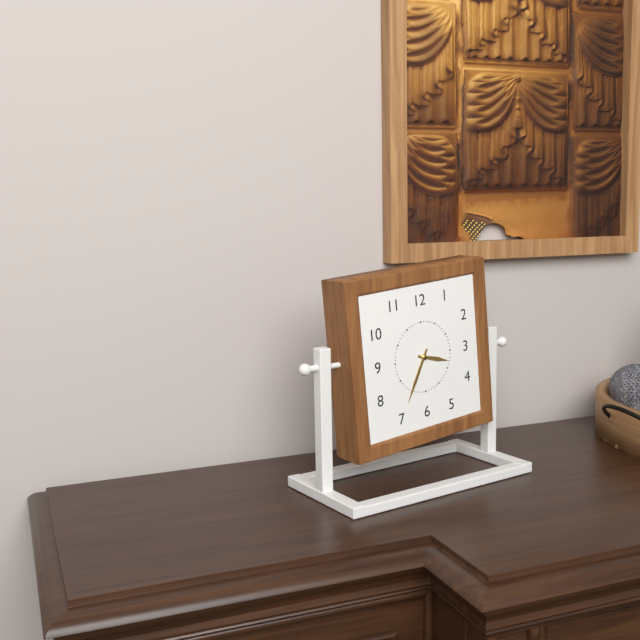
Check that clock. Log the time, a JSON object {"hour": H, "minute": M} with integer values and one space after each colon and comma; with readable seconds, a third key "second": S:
{"hour": 3, "minute": 35}
